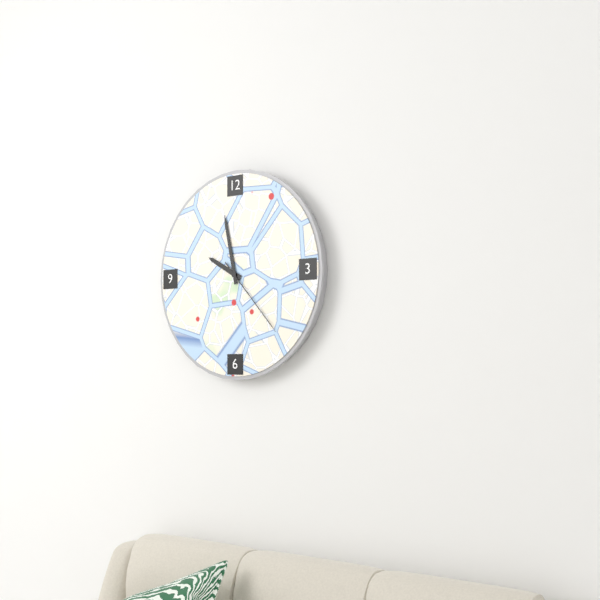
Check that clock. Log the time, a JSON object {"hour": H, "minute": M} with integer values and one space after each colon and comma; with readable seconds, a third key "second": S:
{"hour": 9, "minute": 58, "second": 23}
